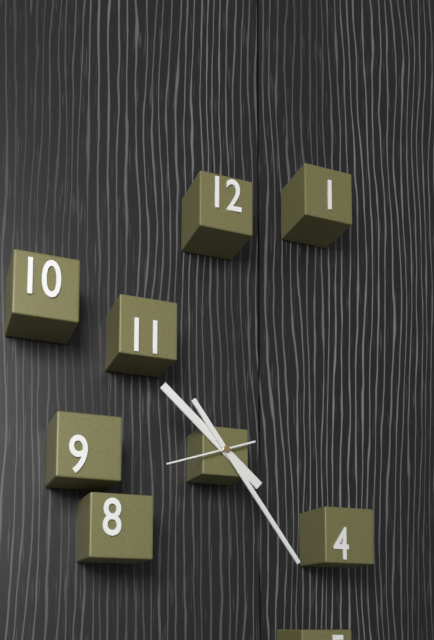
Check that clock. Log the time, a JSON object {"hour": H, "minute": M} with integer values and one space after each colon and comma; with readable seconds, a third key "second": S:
{"hour": 10, "minute": 24, "second": 42}
